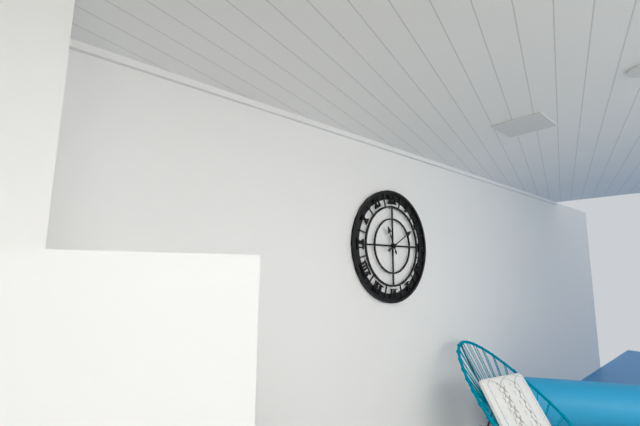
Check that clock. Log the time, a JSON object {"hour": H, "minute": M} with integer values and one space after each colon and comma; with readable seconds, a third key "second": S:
{"hour": 11, "minute": 10}
